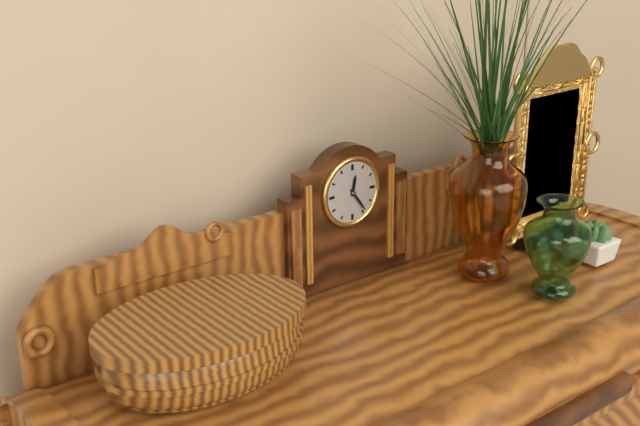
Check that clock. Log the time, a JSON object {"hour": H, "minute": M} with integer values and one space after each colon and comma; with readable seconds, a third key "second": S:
{"hour": 12, "minute": 24}
